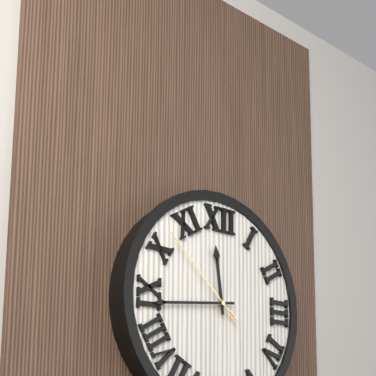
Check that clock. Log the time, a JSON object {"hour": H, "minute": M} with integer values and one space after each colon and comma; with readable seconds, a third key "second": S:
{"hour": 11, "minute": 44, "second": 52}
